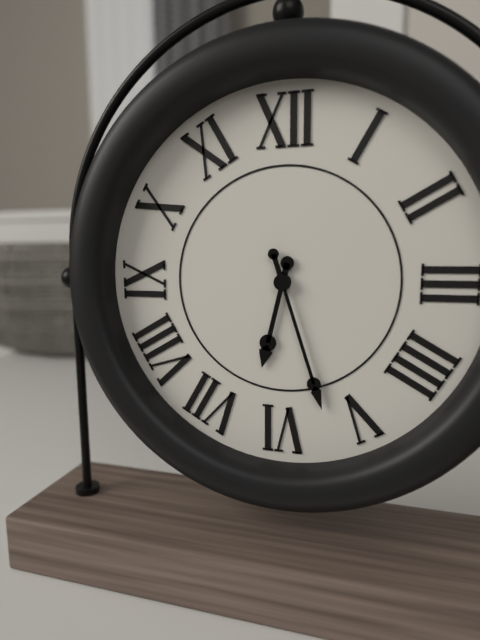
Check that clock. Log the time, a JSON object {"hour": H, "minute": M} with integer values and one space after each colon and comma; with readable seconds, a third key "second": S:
{"hour": 6, "minute": 27}
